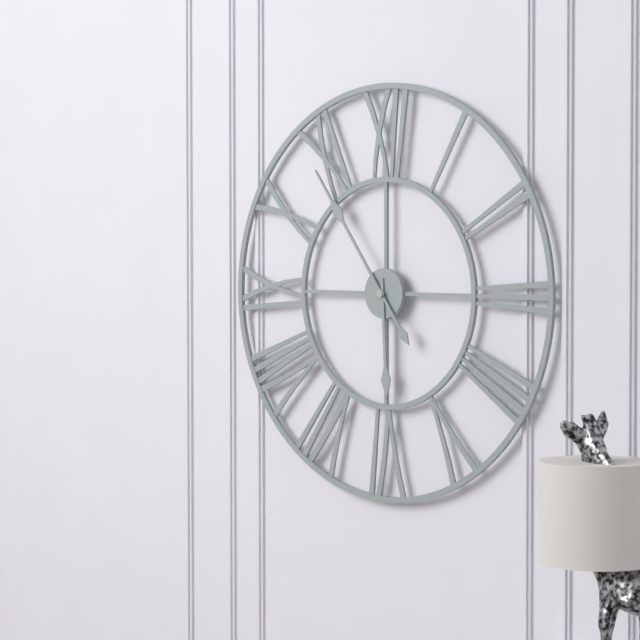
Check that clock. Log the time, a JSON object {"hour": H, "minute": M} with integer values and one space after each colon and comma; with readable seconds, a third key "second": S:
{"hour": 5, "minute": 54}
